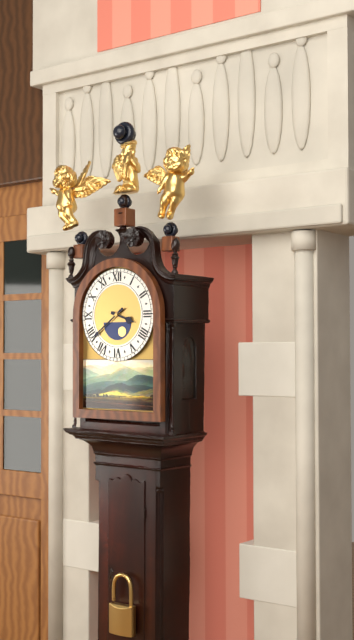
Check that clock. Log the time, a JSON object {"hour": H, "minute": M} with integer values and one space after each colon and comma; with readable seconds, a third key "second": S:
{"hour": 3, "minute": 39}
